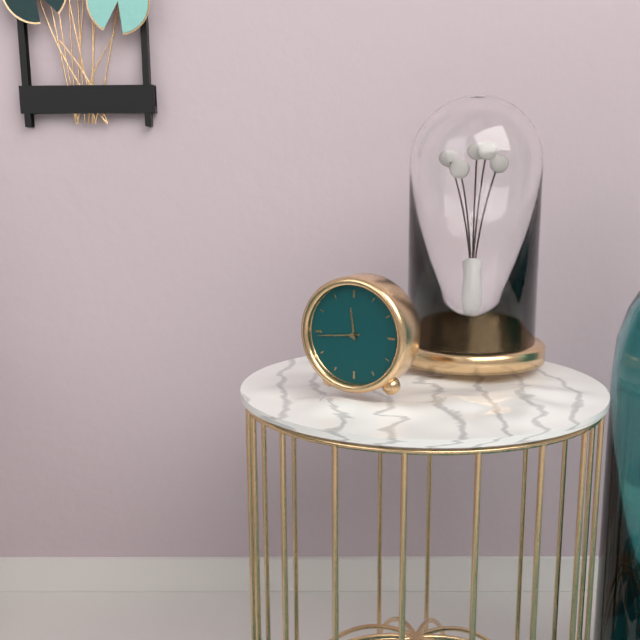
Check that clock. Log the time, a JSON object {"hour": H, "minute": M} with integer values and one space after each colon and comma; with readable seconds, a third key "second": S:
{"hour": 11, "minute": 44}
